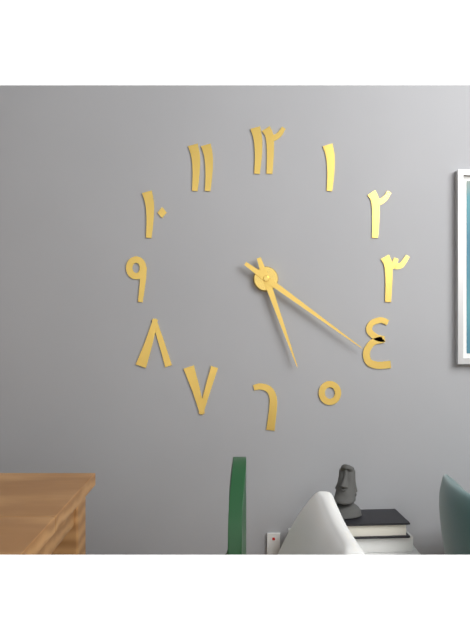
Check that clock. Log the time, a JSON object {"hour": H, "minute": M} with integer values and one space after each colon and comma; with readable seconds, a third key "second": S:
{"hour": 5, "minute": 21}
